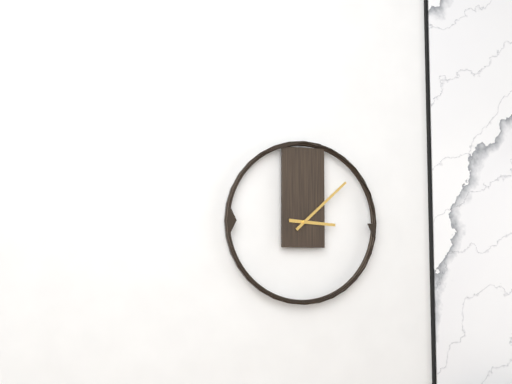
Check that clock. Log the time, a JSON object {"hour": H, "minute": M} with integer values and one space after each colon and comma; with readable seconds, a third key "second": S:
{"hour": 3, "minute": 8}
